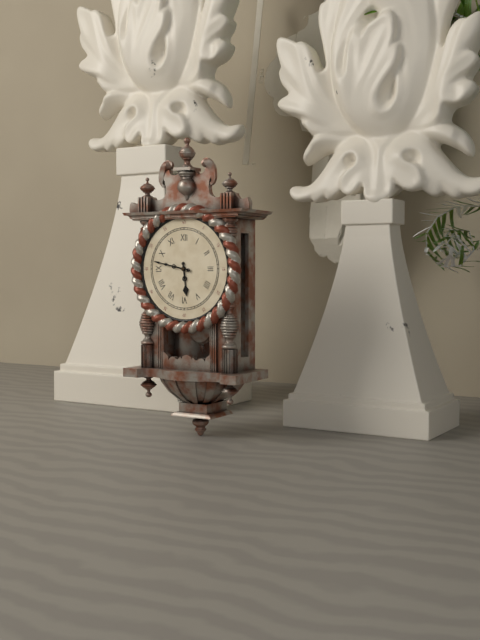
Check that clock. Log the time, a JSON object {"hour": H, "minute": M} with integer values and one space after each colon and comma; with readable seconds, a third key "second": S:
{"hour": 5, "minute": 47}
